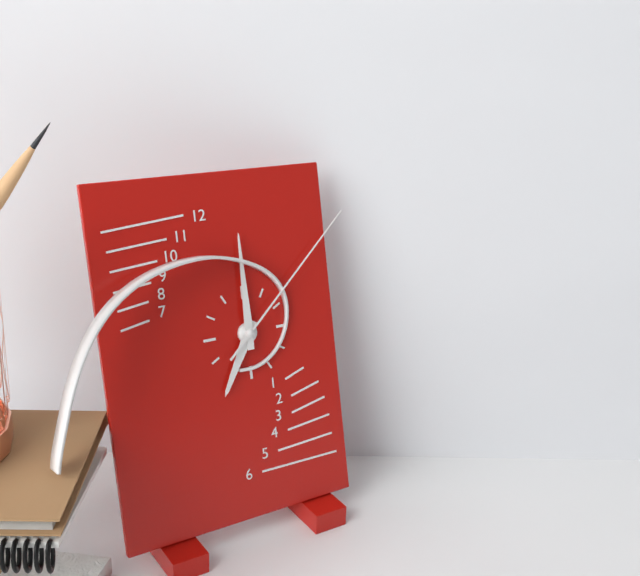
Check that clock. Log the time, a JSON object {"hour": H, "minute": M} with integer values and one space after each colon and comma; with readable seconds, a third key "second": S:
{"hour": 7, "minute": 0, "second": 8}
